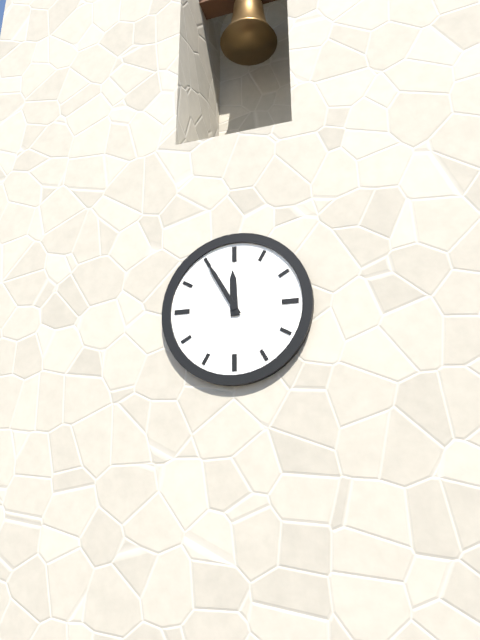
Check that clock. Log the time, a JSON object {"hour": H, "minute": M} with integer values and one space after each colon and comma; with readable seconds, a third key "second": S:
{"hour": 11, "minute": 55}
